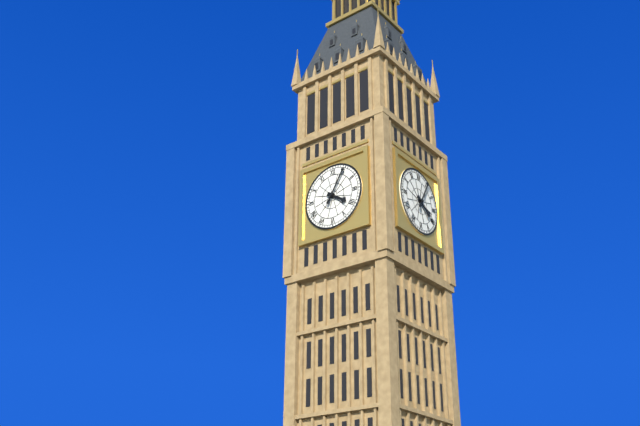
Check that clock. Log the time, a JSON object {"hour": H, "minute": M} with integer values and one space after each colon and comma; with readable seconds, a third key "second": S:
{"hour": 4, "minute": 5}
